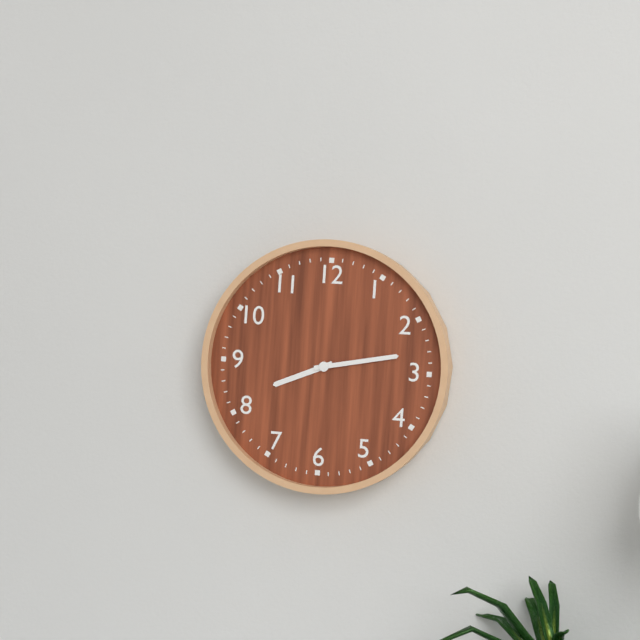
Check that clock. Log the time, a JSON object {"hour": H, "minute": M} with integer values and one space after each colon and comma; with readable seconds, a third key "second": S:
{"hour": 8, "minute": 13}
